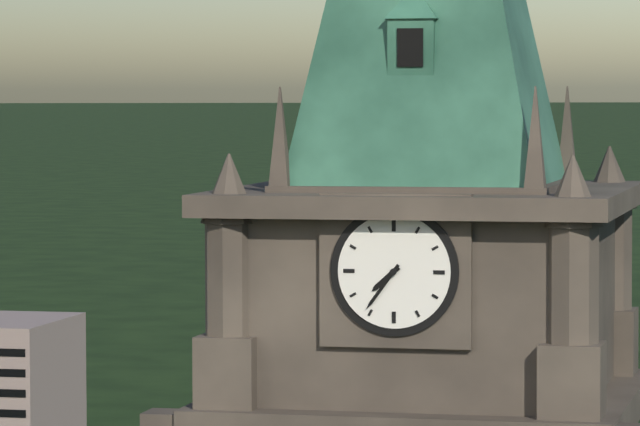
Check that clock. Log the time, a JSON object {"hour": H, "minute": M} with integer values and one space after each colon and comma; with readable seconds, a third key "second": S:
{"hour": 7, "minute": 36}
